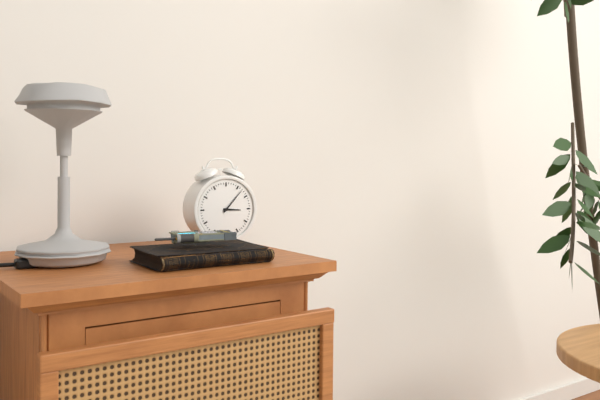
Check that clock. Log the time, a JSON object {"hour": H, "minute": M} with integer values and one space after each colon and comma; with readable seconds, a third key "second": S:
{"hour": 3, "minute": 7}
